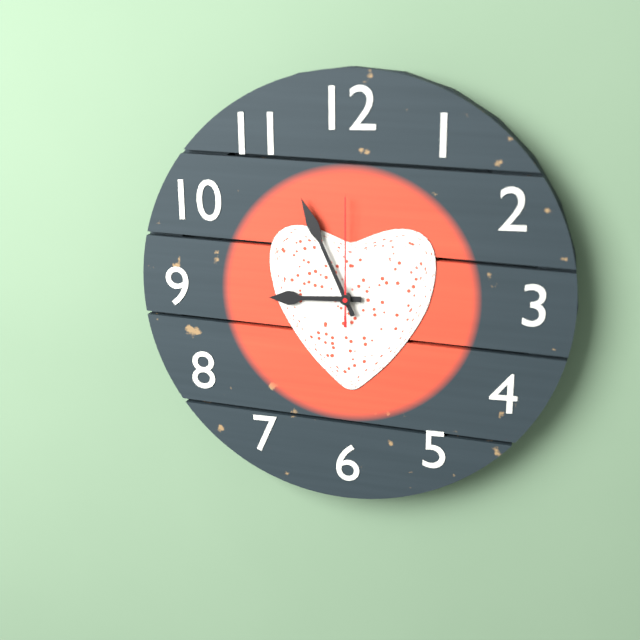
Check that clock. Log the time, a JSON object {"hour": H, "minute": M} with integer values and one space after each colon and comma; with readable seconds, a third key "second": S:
{"hour": 8, "minute": 56, "second": 0}
